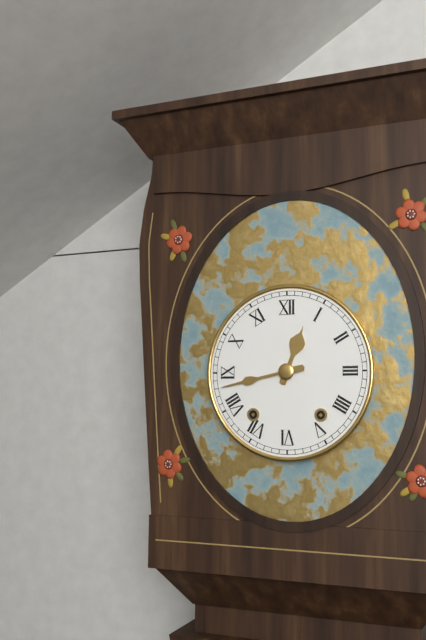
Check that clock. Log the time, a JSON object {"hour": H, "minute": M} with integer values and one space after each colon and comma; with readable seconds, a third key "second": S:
{"hour": 12, "minute": 43}
